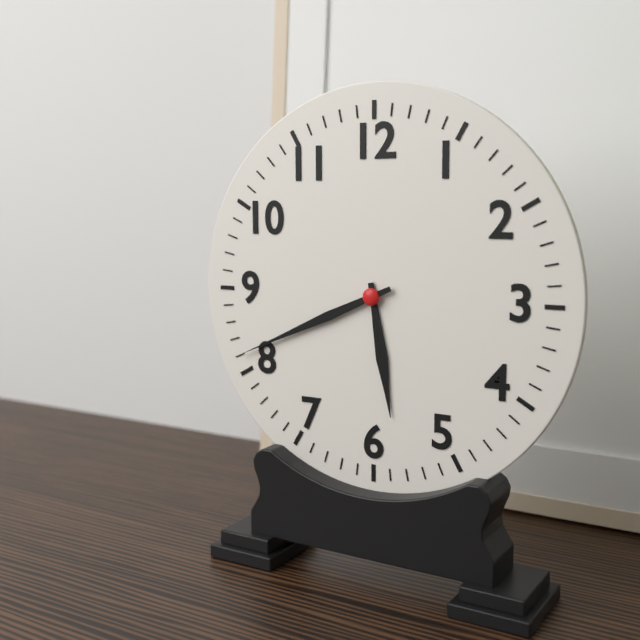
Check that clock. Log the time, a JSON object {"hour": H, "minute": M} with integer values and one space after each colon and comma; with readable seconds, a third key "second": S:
{"hour": 5, "minute": 41}
